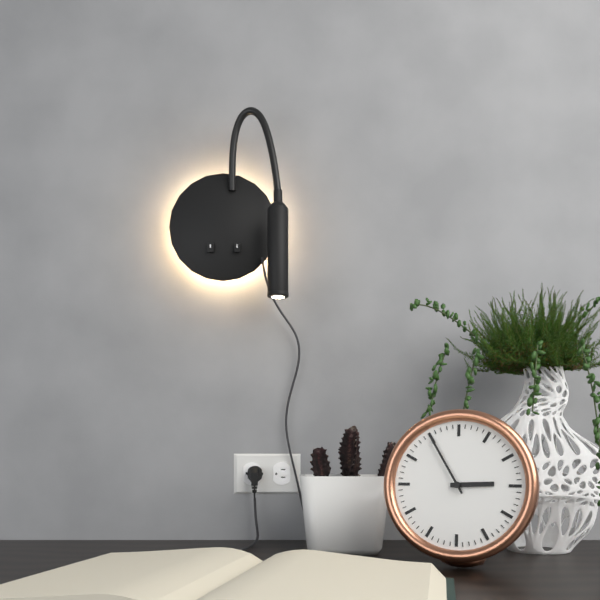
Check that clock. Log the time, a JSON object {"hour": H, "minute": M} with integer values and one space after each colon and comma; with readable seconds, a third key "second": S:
{"hour": 2, "minute": 55}
